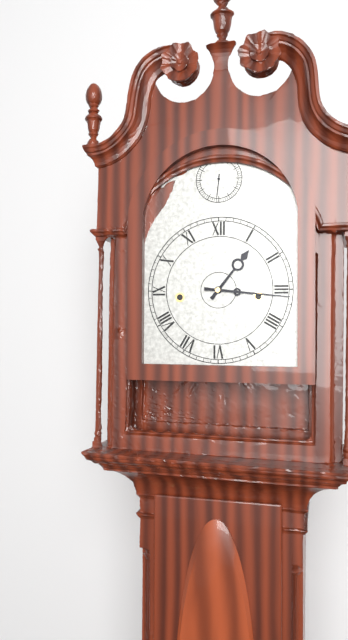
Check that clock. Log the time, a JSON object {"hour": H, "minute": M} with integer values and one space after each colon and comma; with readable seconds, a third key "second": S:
{"hour": 1, "minute": 16}
